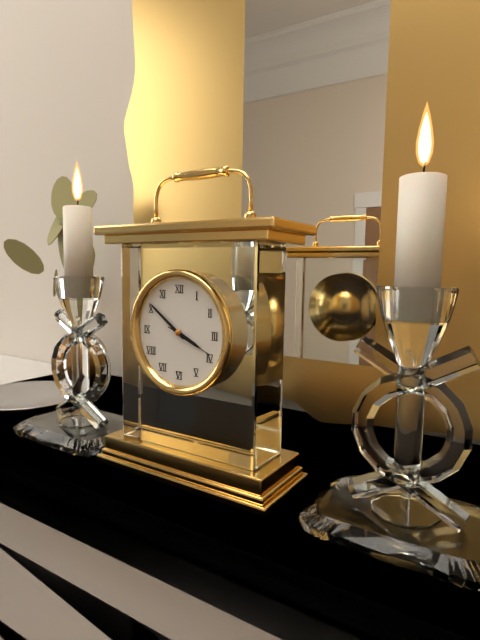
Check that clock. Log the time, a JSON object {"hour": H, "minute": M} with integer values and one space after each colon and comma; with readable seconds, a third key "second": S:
{"hour": 3, "minute": 51}
